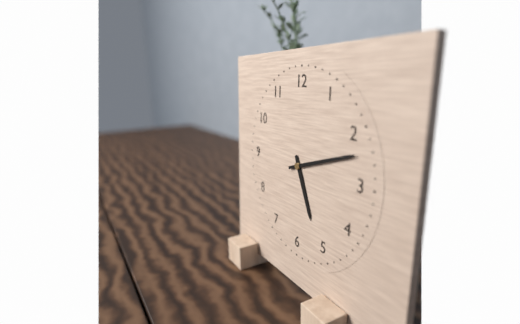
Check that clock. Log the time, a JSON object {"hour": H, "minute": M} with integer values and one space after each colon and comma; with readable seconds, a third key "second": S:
{"hour": 5, "minute": 12}
